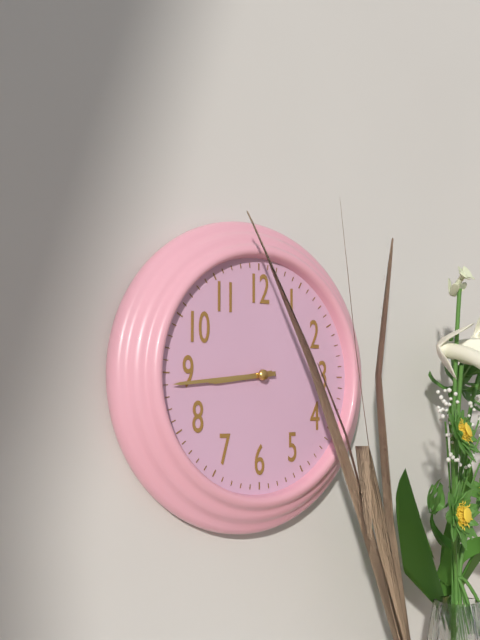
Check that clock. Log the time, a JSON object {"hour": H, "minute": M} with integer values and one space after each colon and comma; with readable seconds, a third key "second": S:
{"hour": 8, "minute": 44}
